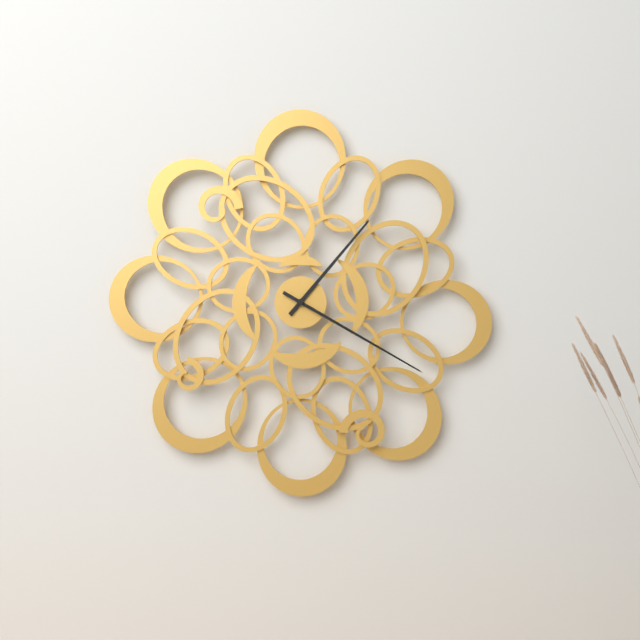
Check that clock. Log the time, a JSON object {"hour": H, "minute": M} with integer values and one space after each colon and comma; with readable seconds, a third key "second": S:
{"hour": 1, "minute": 20}
